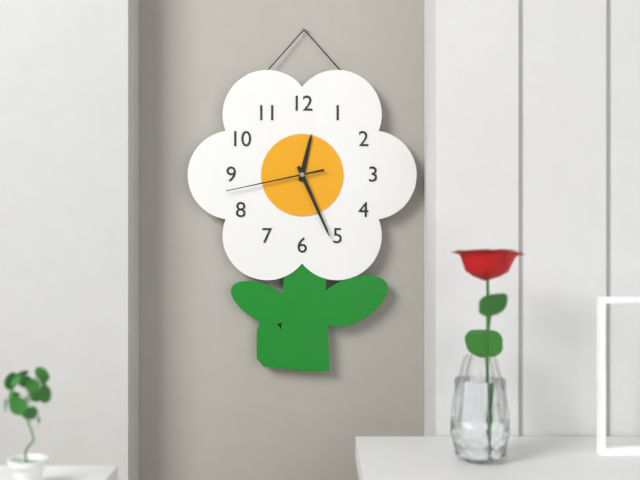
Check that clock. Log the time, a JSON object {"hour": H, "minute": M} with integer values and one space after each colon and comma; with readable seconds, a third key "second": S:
{"hour": 12, "minute": 26, "second": 43}
